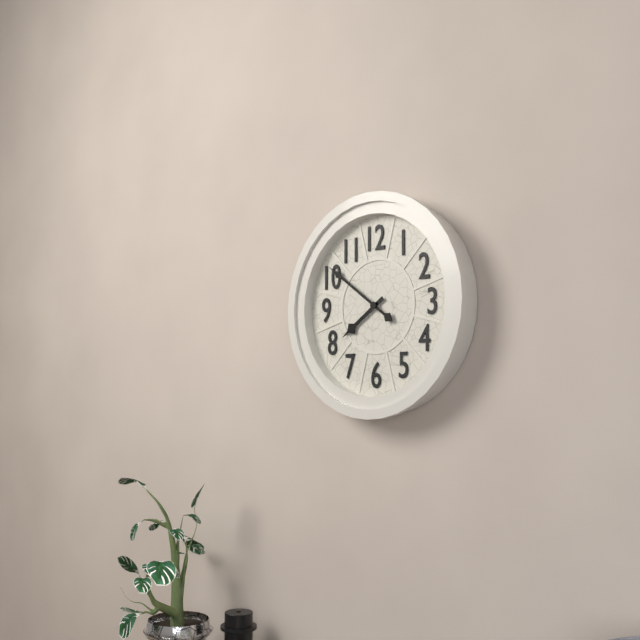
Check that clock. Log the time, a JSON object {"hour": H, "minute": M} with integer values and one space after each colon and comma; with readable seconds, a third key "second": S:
{"hour": 7, "minute": 51}
